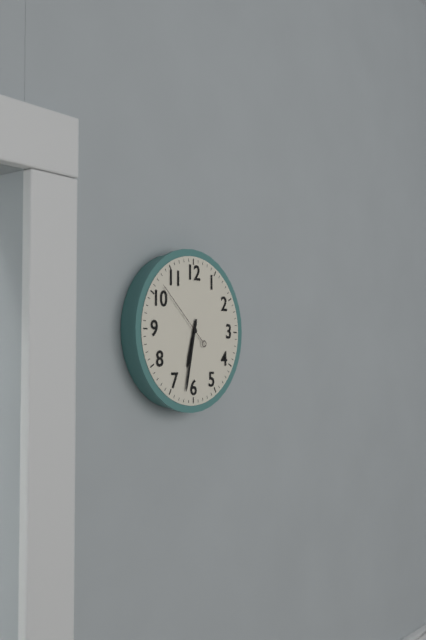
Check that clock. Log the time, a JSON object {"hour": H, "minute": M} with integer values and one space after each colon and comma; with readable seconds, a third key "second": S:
{"hour": 6, "minute": 32, "second": 52}
